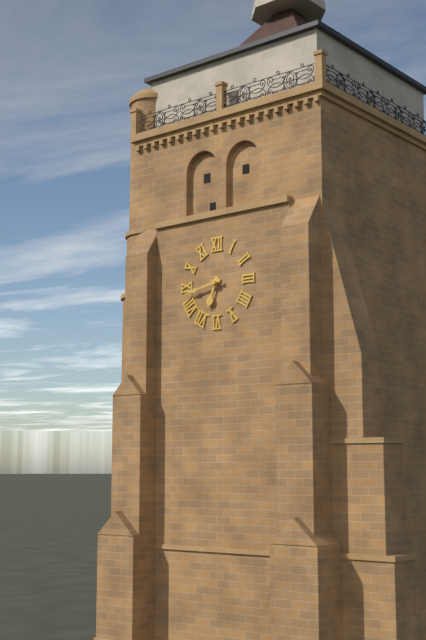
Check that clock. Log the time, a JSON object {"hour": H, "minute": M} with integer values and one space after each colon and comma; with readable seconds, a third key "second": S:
{"hour": 6, "minute": 43}
